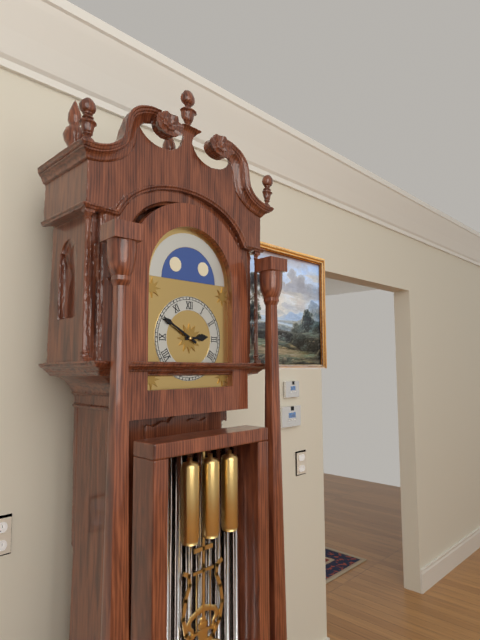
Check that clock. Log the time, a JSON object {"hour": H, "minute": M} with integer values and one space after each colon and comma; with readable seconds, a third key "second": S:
{"hour": 2, "minute": 50}
